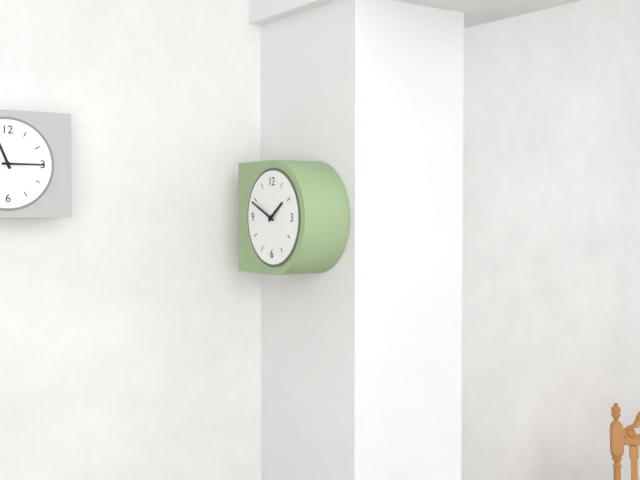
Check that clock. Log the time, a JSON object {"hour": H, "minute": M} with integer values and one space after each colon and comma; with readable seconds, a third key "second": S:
{"hour": 1, "minute": 49}
